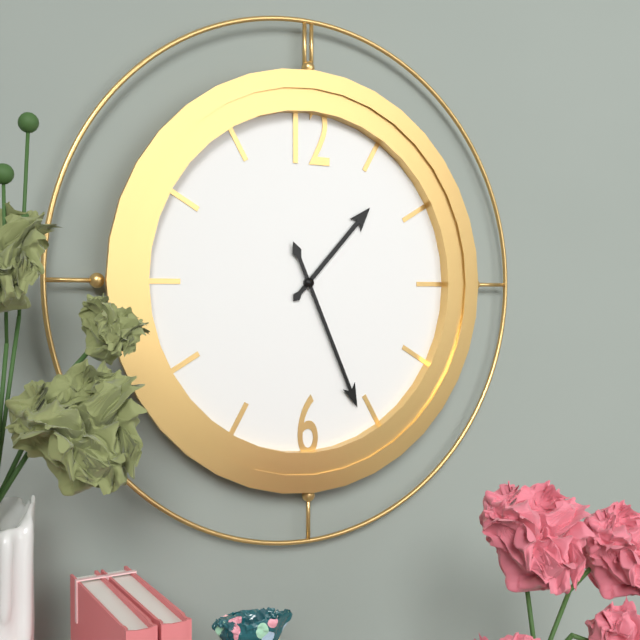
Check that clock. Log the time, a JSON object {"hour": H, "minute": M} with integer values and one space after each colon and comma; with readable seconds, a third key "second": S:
{"hour": 1, "minute": 26}
